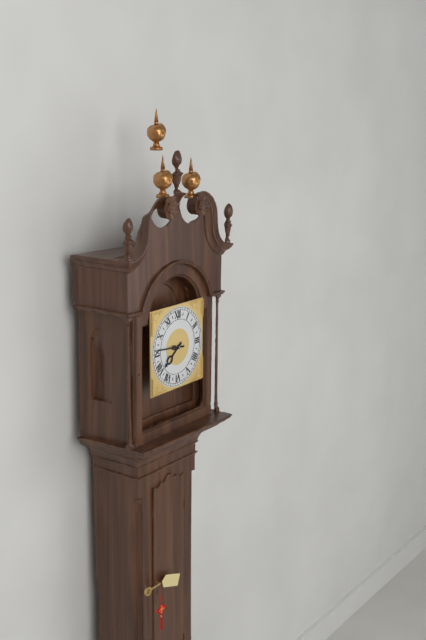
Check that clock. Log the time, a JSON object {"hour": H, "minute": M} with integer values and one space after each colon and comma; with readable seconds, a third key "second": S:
{"hour": 7, "minute": 46}
